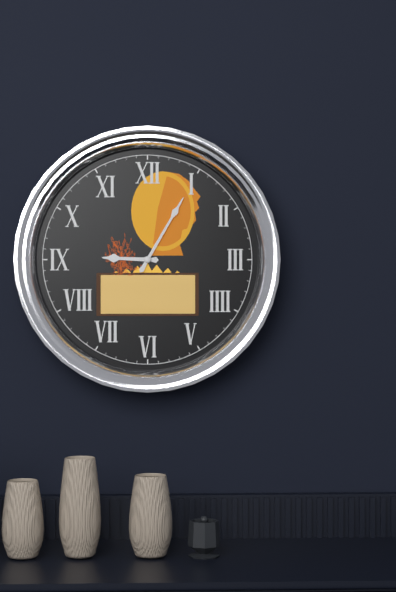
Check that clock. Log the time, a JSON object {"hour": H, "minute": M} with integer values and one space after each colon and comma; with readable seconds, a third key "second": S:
{"hour": 9, "minute": 5}
